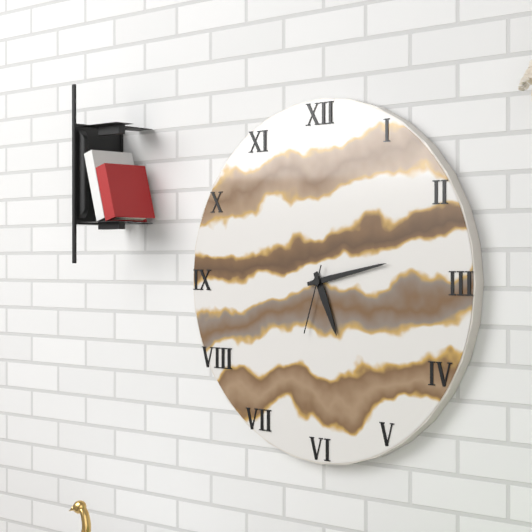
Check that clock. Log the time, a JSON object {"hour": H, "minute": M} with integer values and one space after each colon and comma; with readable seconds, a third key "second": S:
{"hour": 5, "minute": 13, "second": 33}
